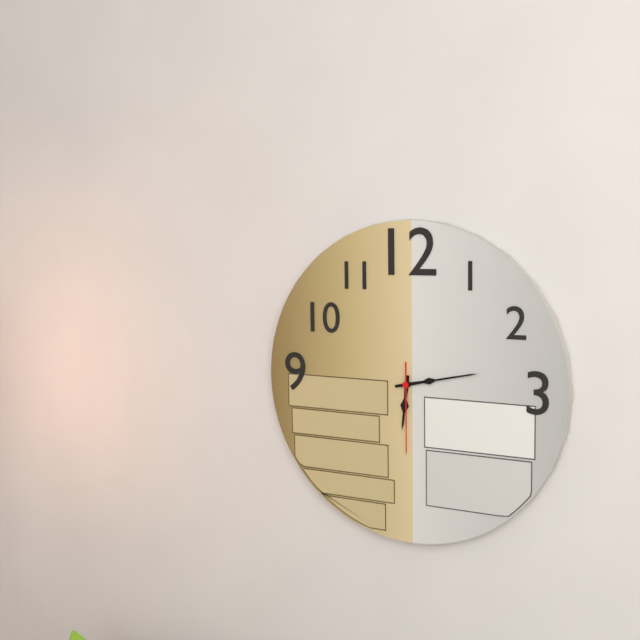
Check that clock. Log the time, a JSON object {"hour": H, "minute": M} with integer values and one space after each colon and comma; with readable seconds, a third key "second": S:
{"hour": 6, "minute": 13, "second": 30}
